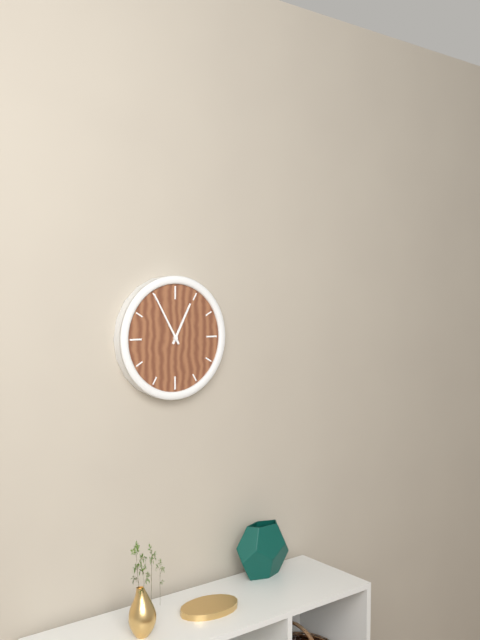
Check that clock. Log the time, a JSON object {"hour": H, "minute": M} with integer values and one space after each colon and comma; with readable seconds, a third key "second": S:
{"hour": 12, "minute": 55}
